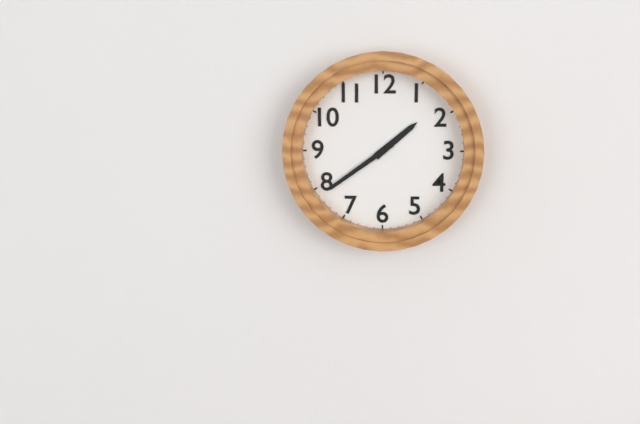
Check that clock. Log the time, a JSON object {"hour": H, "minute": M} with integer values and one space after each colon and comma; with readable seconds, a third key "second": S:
{"hour": 1, "minute": 39}
